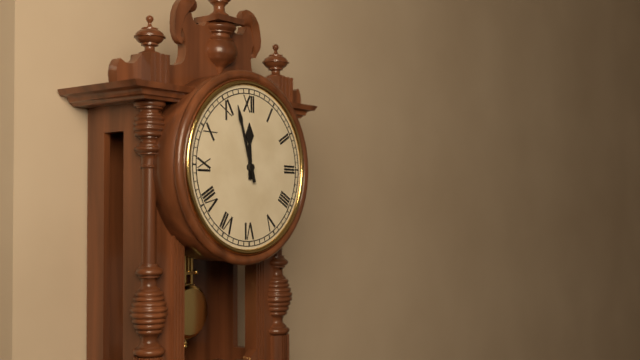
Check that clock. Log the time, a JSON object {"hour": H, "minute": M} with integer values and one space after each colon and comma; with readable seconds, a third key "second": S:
{"hour": 11, "minute": 57}
